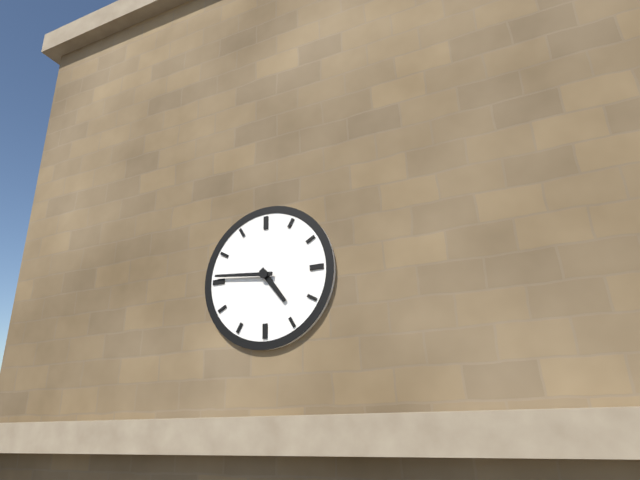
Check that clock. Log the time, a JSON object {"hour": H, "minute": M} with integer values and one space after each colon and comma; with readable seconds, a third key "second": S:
{"hour": 4, "minute": 46}
